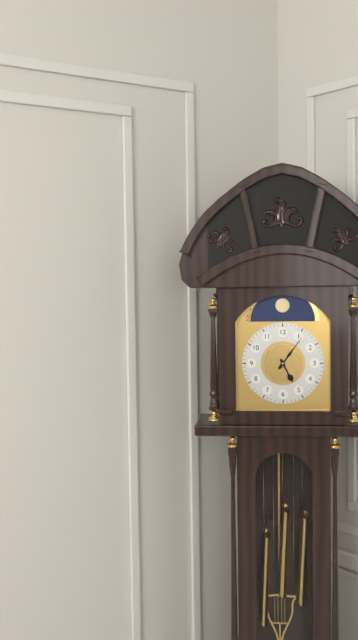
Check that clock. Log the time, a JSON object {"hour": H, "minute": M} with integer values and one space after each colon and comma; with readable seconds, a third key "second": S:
{"hour": 5, "minute": 6}
